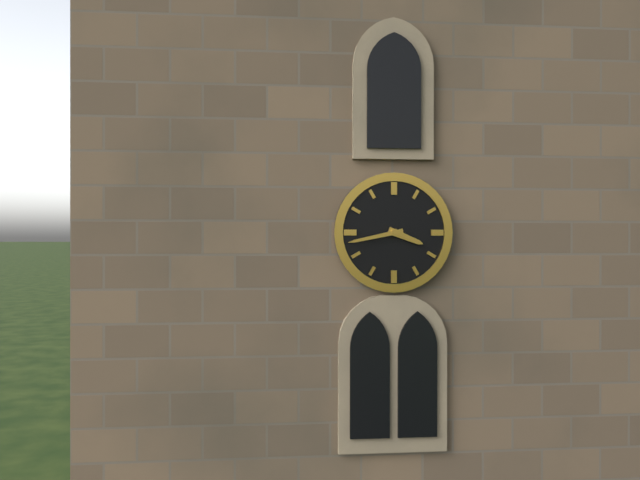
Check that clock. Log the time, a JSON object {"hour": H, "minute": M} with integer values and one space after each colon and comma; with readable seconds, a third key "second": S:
{"hour": 3, "minute": 43}
